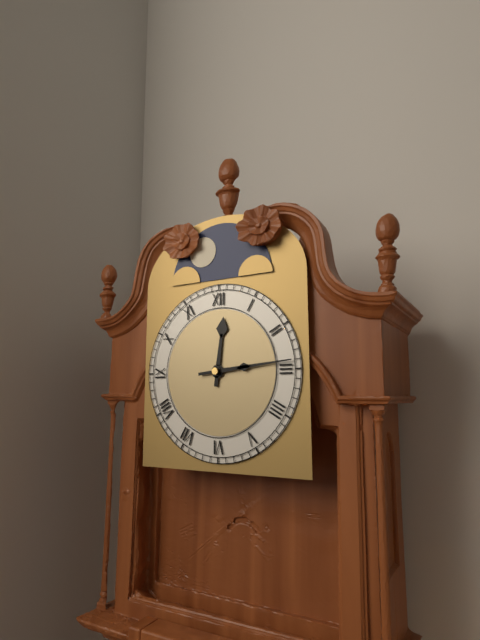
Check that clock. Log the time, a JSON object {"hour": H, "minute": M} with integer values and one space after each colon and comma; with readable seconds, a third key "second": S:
{"hour": 12, "minute": 14}
